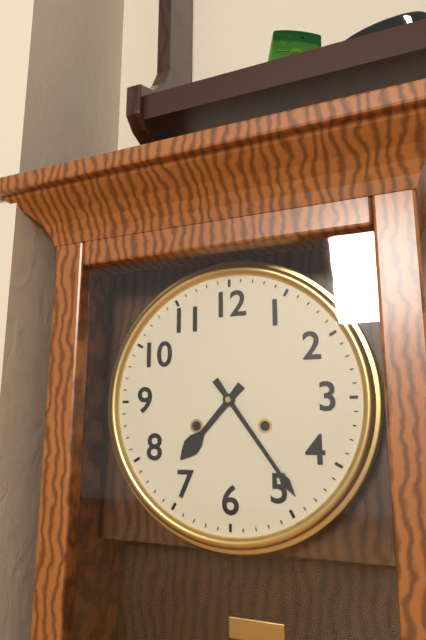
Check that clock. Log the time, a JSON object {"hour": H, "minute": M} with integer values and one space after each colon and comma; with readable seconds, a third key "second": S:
{"hour": 7, "minute": 24}
